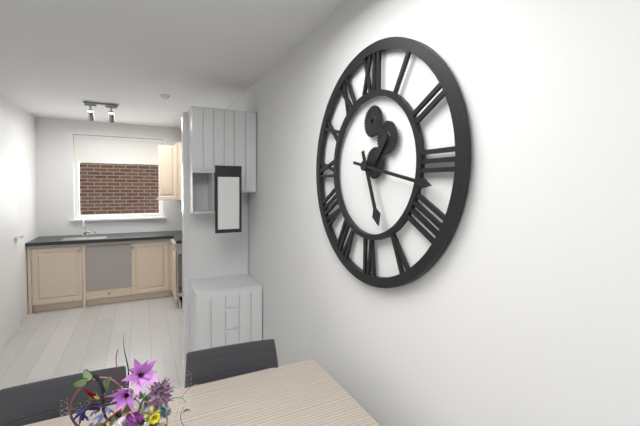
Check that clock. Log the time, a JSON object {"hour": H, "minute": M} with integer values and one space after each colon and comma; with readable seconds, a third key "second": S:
{"hour": 5, "minute": 17}
